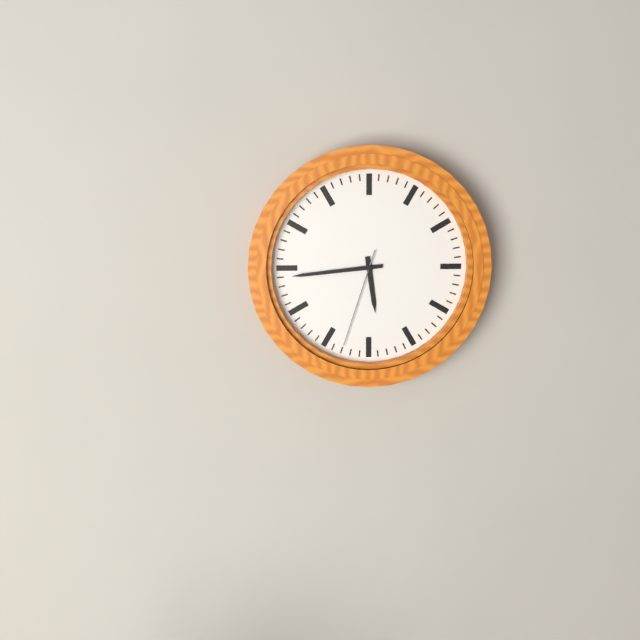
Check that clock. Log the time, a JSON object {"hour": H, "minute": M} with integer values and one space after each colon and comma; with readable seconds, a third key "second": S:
{"hour": 5, "minute": 44, "second": 33}
